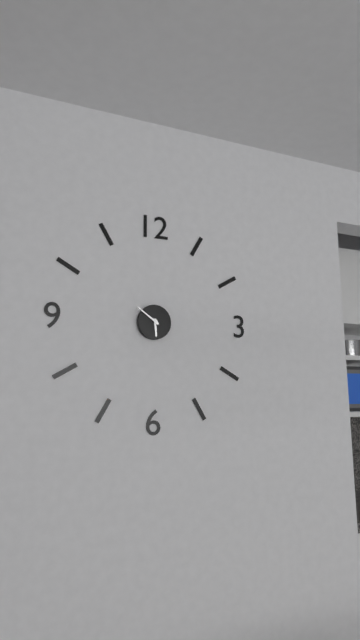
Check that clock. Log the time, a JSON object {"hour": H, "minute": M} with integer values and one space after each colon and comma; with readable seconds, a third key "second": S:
{"hour": 5, "minute": 51}
